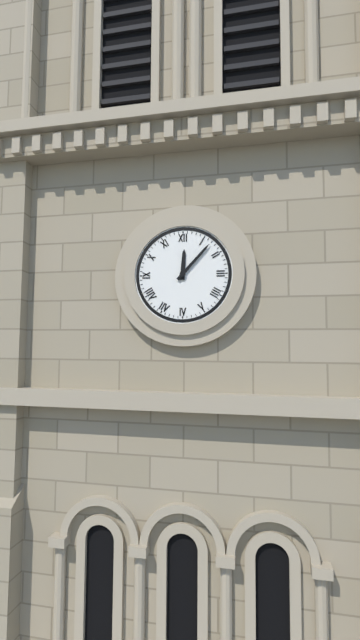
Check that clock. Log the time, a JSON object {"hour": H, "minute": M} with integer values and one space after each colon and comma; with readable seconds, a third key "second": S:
{"hour": 12, "minute": 7}
